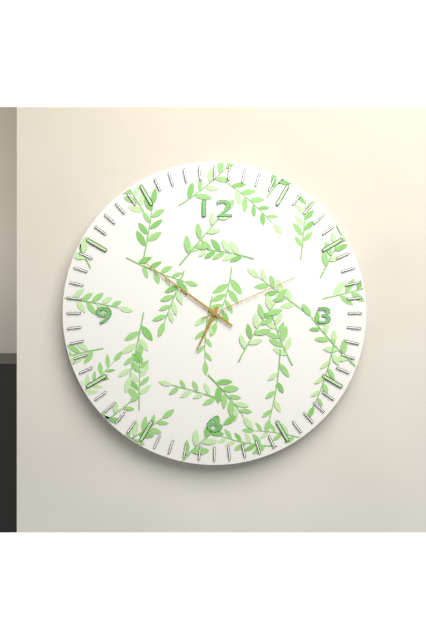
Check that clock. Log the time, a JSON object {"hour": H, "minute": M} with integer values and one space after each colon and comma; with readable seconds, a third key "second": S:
{"hour": 6, "minute": 51, "second": 11}
